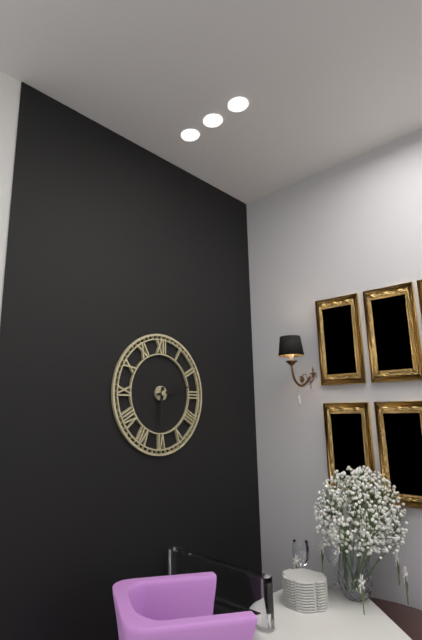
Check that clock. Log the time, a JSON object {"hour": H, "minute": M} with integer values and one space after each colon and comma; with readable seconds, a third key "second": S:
{"hour": 6, "minute": 13}
